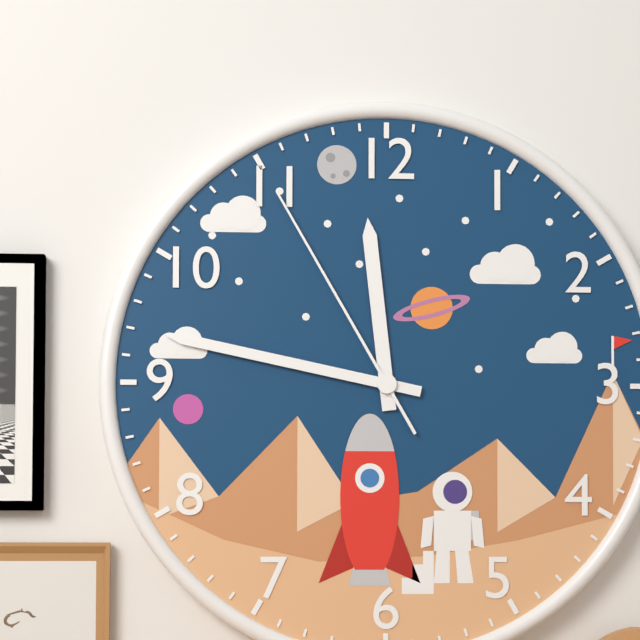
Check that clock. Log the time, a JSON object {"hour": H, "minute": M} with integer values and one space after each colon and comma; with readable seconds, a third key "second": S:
{"hour": 11, "minute": 47, "second": 55}
